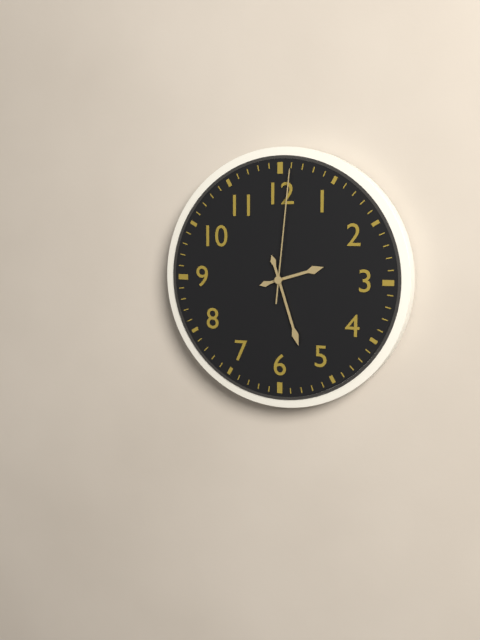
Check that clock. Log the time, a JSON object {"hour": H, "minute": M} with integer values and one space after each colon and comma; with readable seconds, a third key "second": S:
{"hour": 2, "minute": 27, "second": 1}
